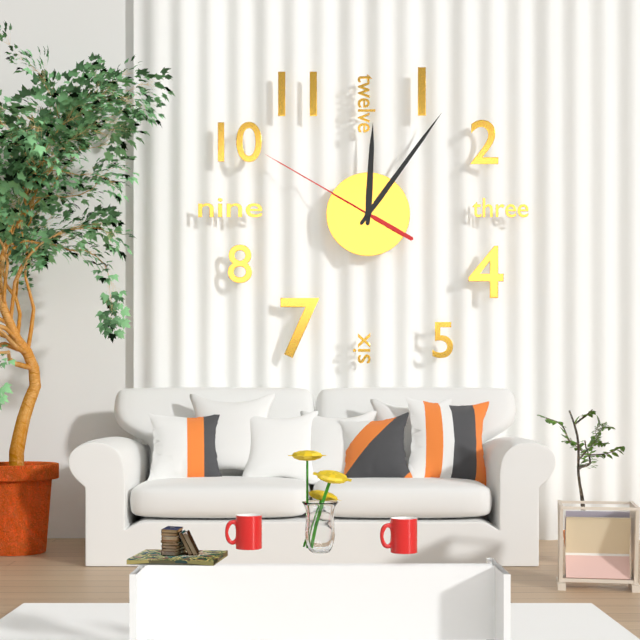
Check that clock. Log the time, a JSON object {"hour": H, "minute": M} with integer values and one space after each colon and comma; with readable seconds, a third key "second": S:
{"hour": 12, "minute": 6, "second": 50}
